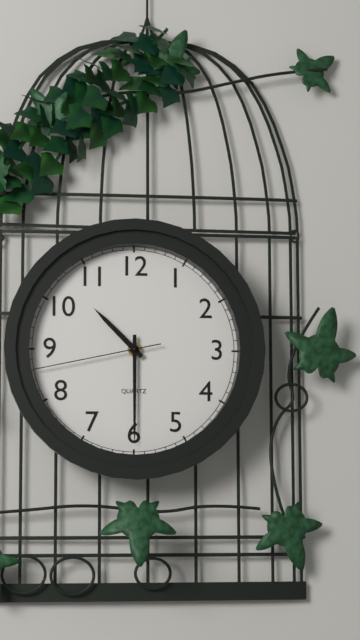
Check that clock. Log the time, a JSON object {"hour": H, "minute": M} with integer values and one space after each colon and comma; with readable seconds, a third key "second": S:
{"hour": 10, "minute": 30, "second": 43}
